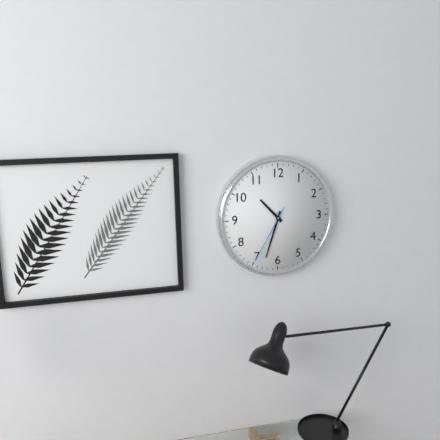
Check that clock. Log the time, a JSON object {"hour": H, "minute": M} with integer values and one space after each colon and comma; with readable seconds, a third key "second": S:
{"hour": 10, "minute": 33, "second": 35}
